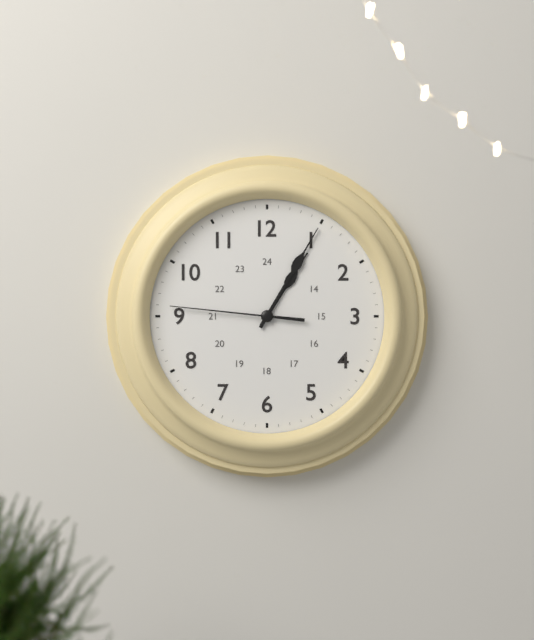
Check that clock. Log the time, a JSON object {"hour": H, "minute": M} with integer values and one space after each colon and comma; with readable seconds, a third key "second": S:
{"hour": 1, "minute": 5, "second": 46}
